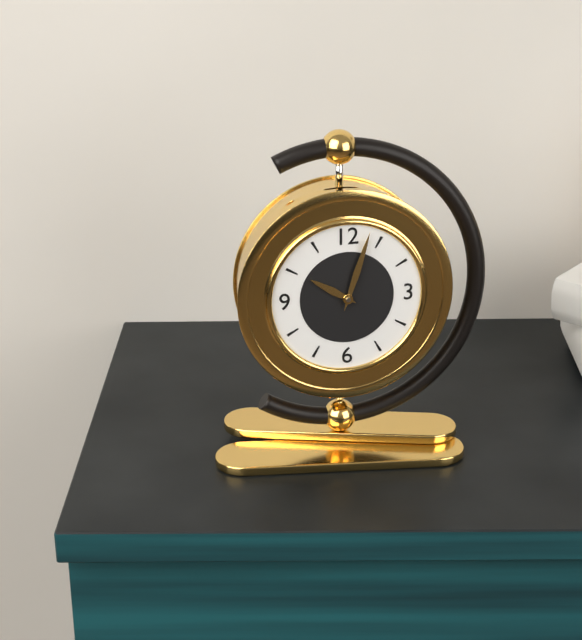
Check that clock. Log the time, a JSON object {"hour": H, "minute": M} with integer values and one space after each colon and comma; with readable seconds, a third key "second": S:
{"hour": 10, "minute": 3}
